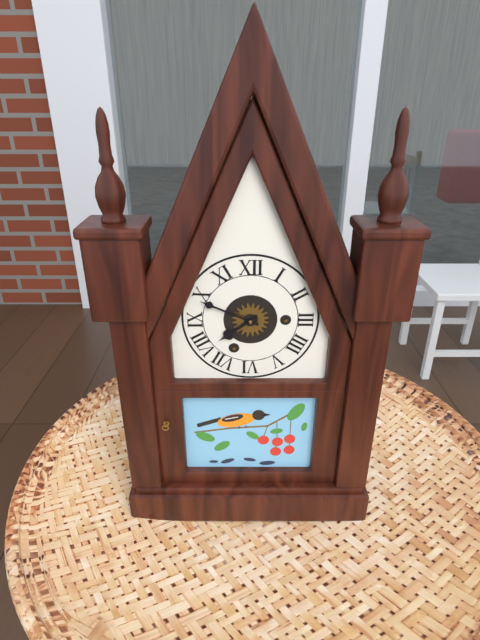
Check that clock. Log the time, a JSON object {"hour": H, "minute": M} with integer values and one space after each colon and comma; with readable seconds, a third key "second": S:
{"hour": 7, "minute": 49}
